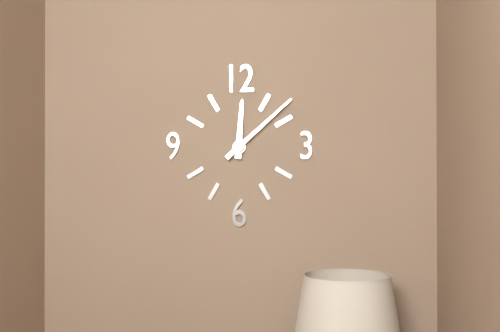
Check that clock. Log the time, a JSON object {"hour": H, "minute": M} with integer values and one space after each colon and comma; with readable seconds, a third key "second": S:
{"hour": 12, "minute": 8}
